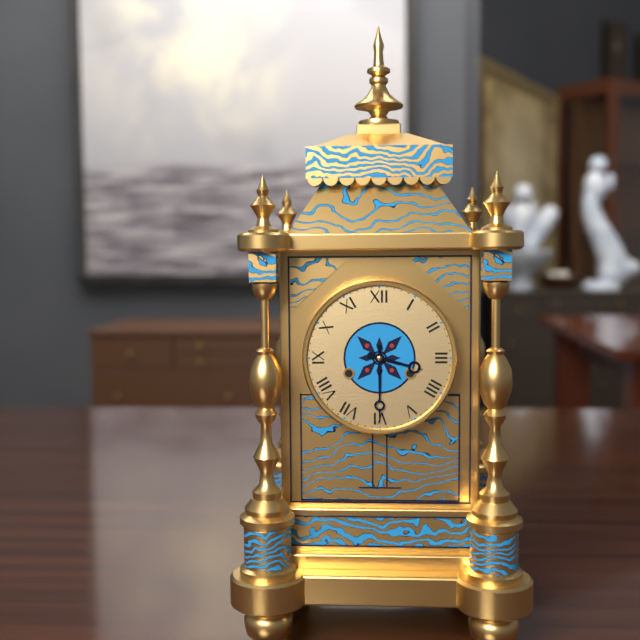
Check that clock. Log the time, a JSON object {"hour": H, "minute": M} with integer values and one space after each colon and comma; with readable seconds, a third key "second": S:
{"hour": 3, "minute": 30}
